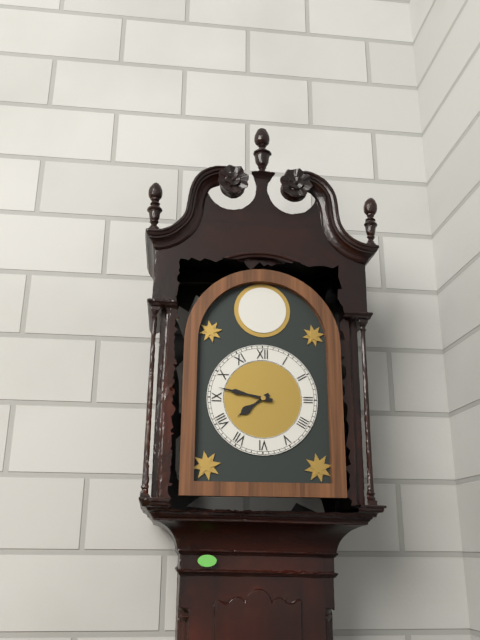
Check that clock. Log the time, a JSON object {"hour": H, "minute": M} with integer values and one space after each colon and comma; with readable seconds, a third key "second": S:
{"hour": 7, "minute": 47}
